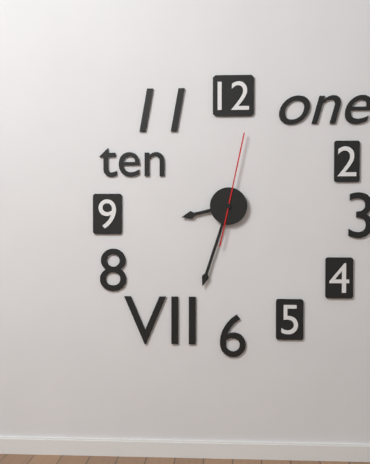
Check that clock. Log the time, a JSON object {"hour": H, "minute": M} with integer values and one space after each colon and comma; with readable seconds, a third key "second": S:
{"hour": 8, "minute": 33, "second": 2}
